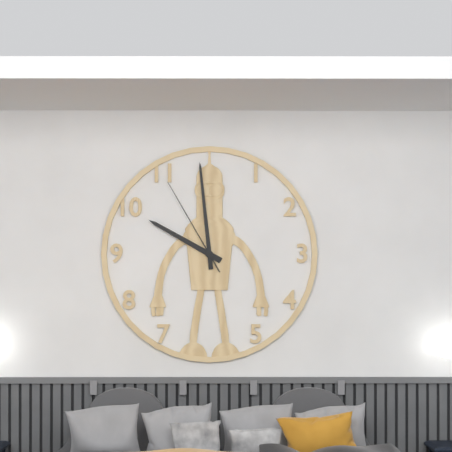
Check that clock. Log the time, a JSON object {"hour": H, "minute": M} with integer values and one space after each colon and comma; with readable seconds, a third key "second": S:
{"hour": 9, "minute": 59, "second": 55}
